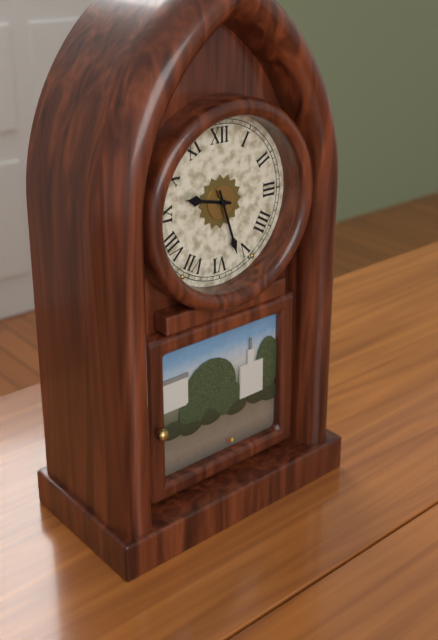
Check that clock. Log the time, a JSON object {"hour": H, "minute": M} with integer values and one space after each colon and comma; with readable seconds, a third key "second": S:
{"hour": 9, "minute": 27}
